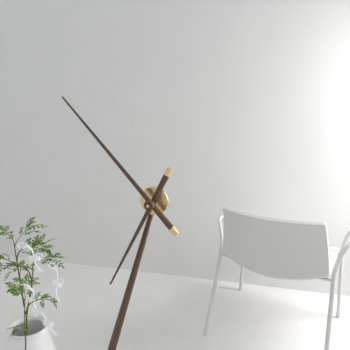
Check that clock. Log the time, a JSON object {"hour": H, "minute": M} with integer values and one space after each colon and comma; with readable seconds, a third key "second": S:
{"hour": 6, "minute": 53}
